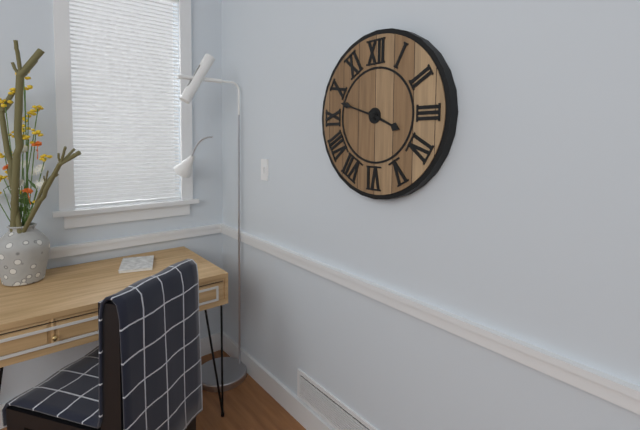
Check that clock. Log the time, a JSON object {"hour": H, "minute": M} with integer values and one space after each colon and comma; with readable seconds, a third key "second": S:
{"hour": 3, "minute": 48}
